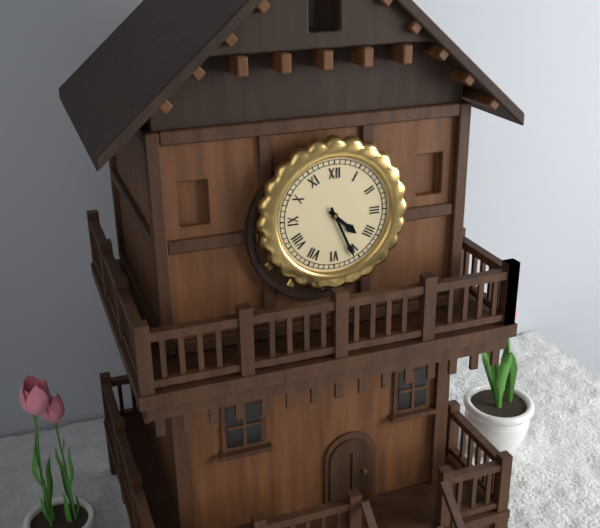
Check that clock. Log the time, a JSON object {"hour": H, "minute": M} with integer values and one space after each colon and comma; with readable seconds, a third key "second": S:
{"hour": 4, "minute": 26}
